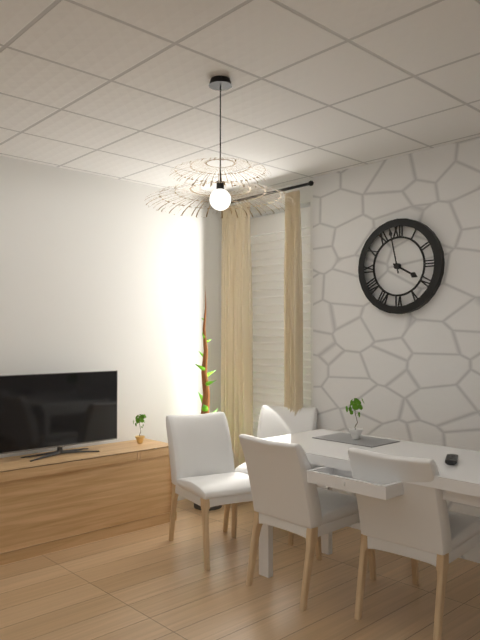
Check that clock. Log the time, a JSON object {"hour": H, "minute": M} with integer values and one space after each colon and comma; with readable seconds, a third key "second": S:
{"hour": 3, "minute": 58}
